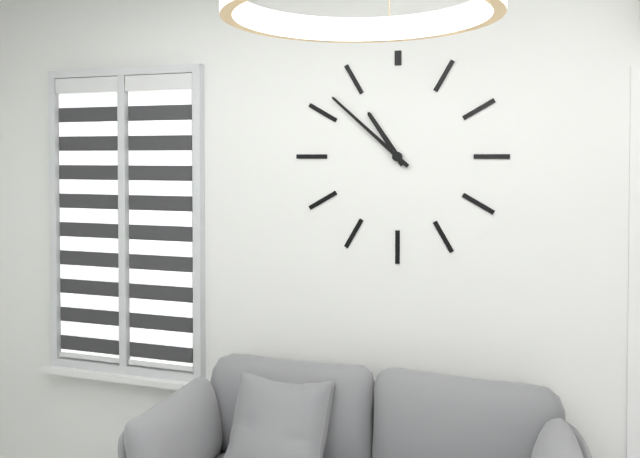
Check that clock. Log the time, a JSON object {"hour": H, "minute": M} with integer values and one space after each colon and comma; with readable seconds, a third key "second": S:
{"hour": 10, "minute": 52}
